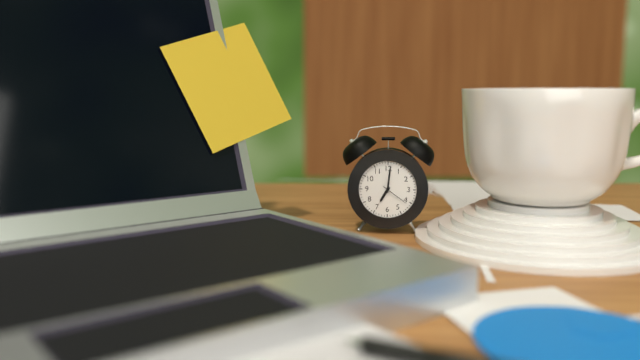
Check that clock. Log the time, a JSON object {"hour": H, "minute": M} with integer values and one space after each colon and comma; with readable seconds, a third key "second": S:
{"hour": 7, "minute": 1}
